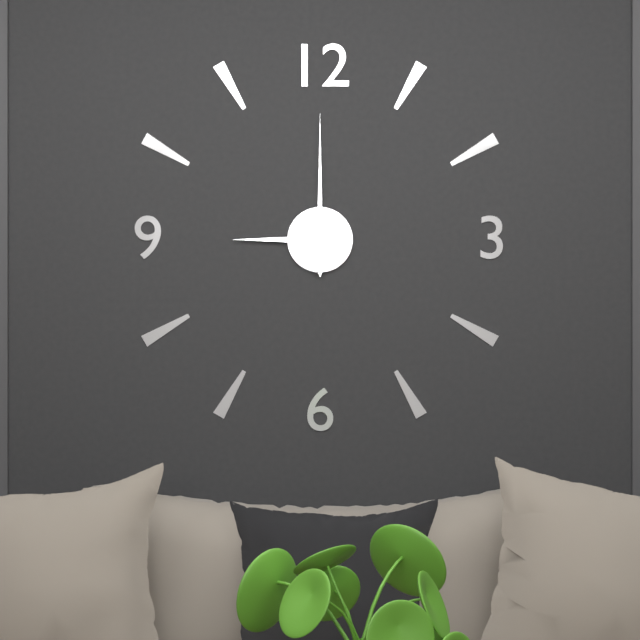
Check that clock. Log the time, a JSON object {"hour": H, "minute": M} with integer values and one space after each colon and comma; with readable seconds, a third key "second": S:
{"hour": 9, "minute": 0}
